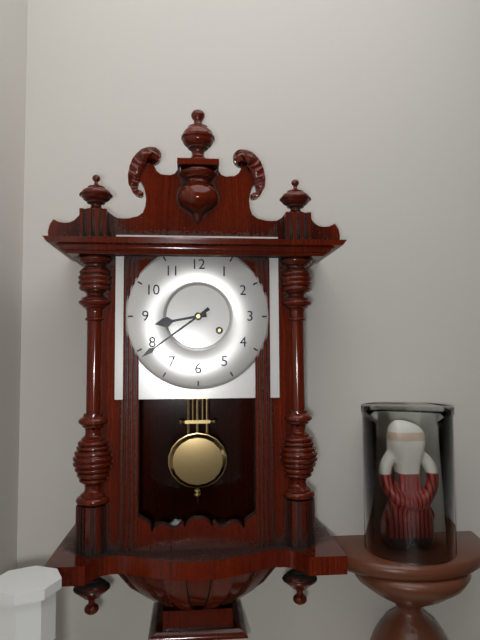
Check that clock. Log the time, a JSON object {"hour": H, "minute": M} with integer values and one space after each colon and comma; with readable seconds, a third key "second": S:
{"hour": 8, "minute": 39}
